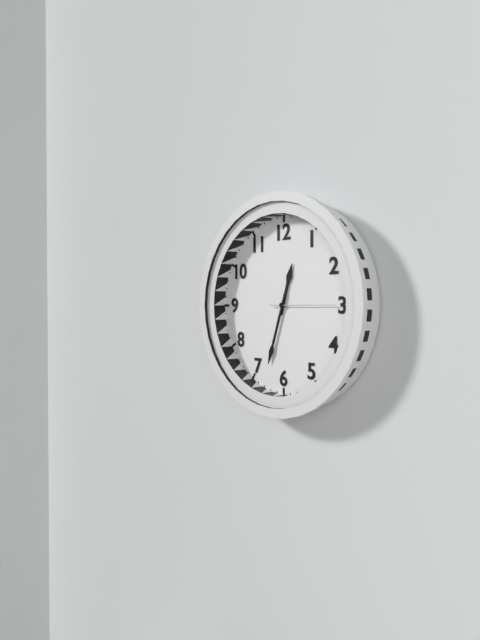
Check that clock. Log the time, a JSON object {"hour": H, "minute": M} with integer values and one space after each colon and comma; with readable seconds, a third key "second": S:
{"hour": 12, "minute": 33, "second": 15}
